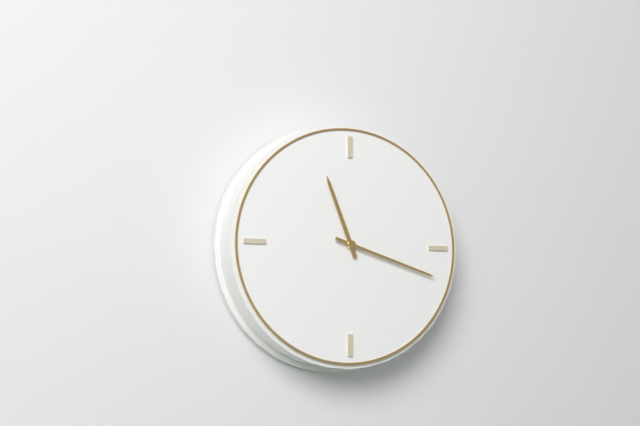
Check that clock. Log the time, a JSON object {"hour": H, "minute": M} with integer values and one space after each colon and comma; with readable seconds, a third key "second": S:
{"hour": 11, "minute": 18}
